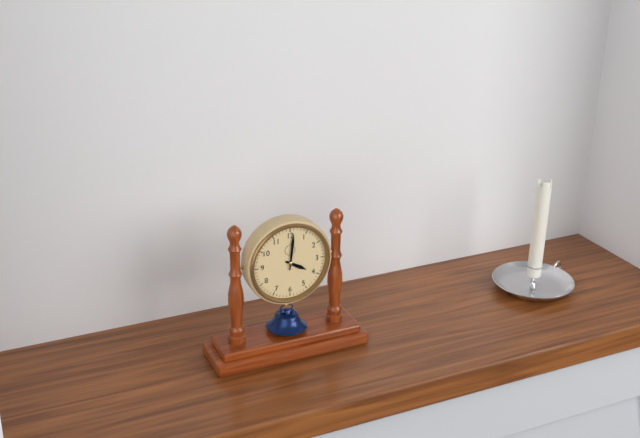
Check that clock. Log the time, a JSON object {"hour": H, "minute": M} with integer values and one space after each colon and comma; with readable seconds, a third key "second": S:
{"hour": 4, "minute": 1}
